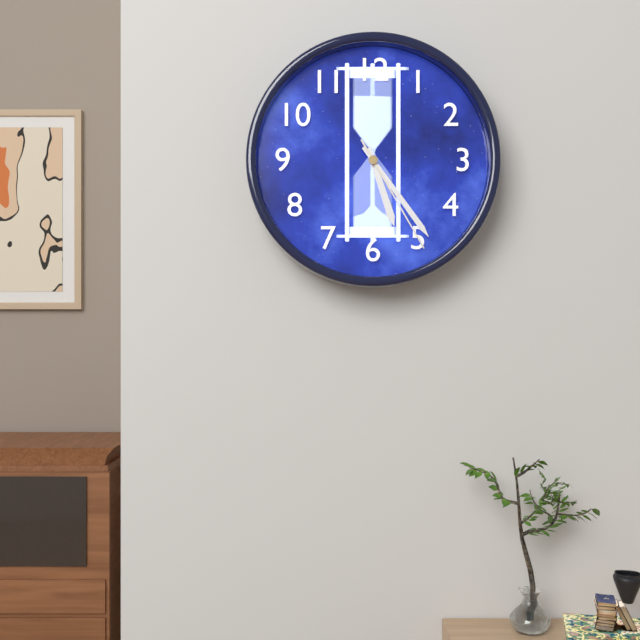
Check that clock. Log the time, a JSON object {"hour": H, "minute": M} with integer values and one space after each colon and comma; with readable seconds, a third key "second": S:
{"hour": 5, "minute": 24, "second": 25}
